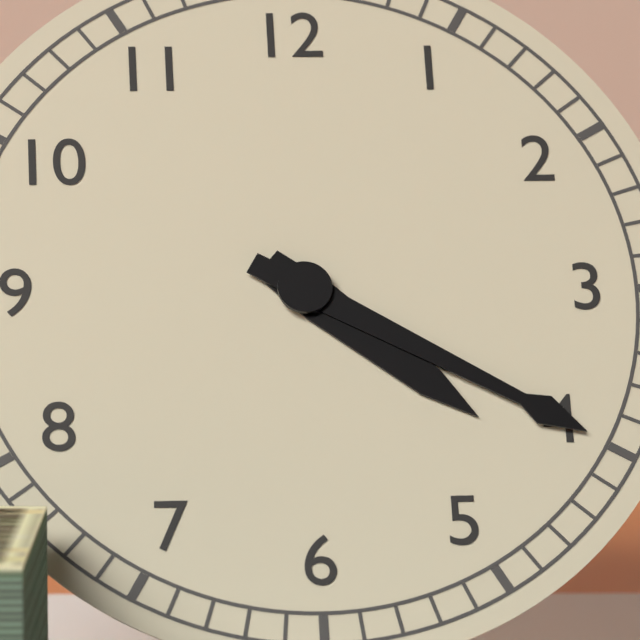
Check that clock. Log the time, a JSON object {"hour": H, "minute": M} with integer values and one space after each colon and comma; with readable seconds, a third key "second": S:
{"hour": 4, "minute": 20}
